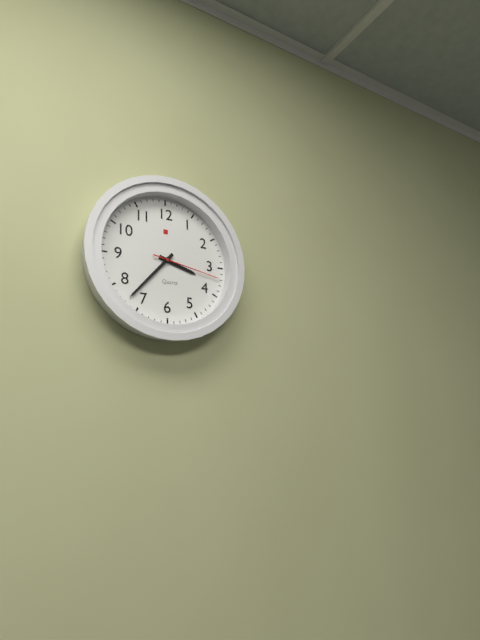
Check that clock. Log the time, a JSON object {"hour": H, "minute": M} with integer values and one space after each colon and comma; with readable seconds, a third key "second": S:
{"hour": 3, "minute": 37, "second": 17}
